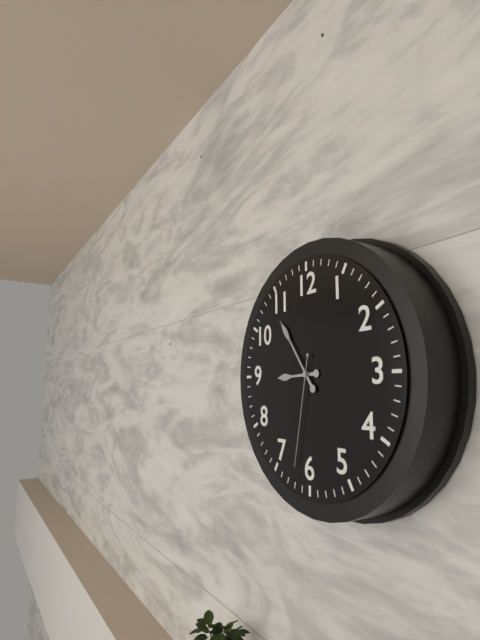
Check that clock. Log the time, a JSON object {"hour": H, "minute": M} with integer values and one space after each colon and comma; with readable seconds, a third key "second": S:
{"hour": 8, "minute": 54, "second": 32}
